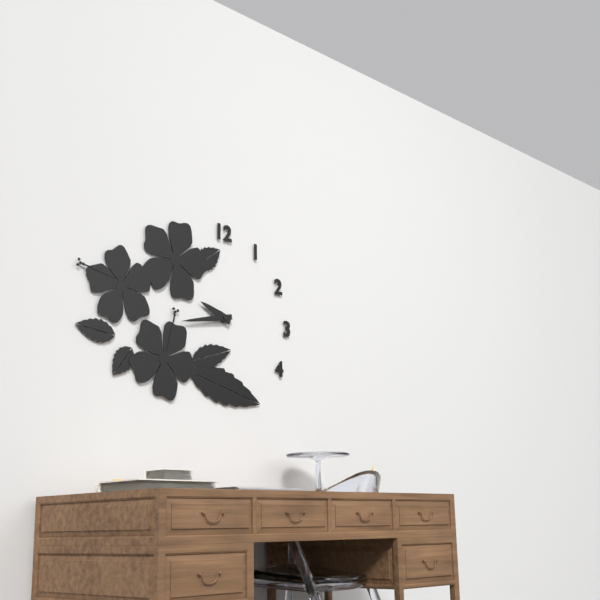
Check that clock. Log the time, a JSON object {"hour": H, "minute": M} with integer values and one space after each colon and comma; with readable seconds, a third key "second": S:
{"hour": 9, "minute": 43}
